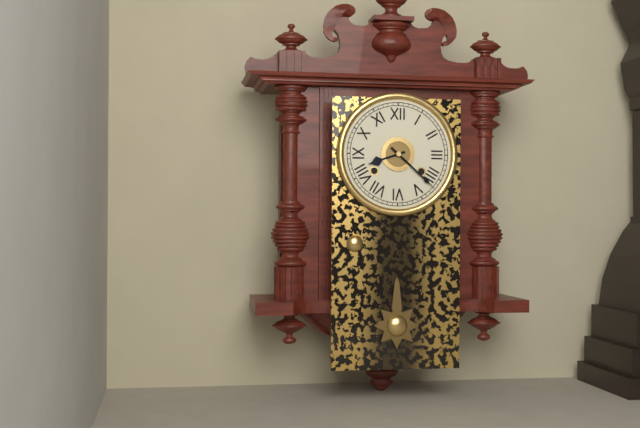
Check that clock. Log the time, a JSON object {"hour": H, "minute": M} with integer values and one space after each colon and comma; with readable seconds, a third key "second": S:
{"hour": 8, "minute": 22}
